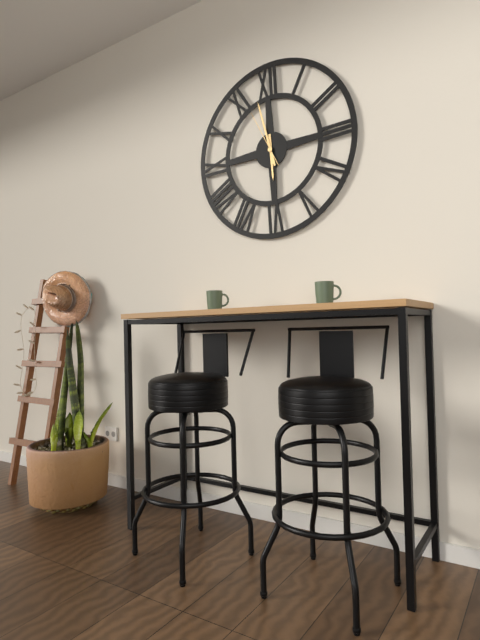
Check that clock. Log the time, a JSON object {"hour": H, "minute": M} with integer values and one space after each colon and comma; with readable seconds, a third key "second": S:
{"hour": 5, "minute": 58, "second": 56}
